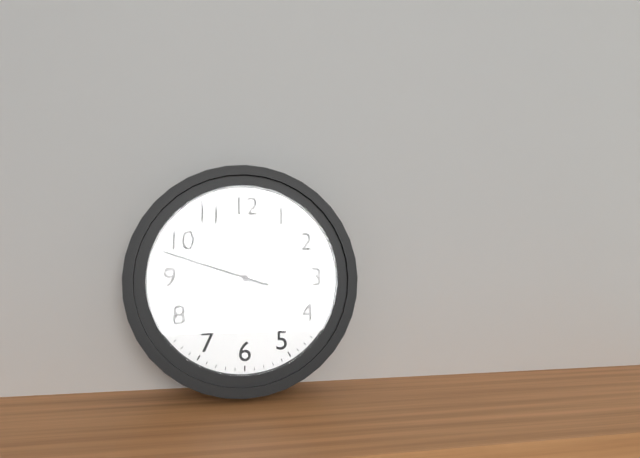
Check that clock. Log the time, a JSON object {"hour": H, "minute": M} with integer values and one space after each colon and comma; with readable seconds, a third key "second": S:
{"hour": 2, "minute": 48}
